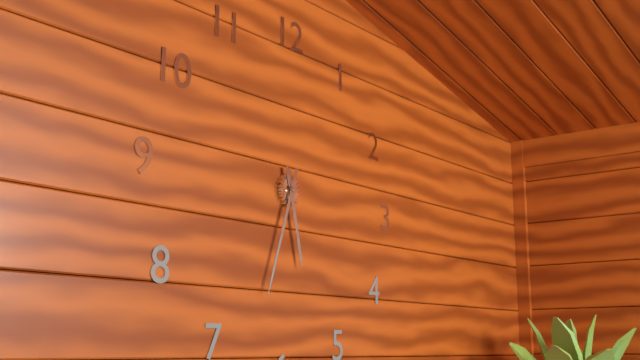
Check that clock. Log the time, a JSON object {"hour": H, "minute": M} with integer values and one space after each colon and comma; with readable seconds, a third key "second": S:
{"hour": 5, "minute": 33}
